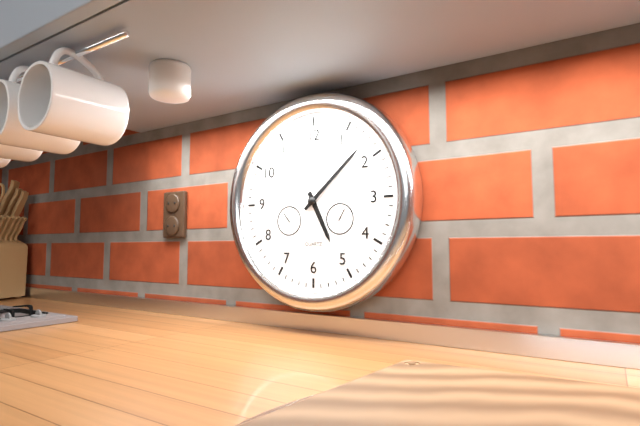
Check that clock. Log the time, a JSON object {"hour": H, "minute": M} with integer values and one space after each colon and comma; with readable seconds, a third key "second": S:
{"hour": 5, "minute": 8}
